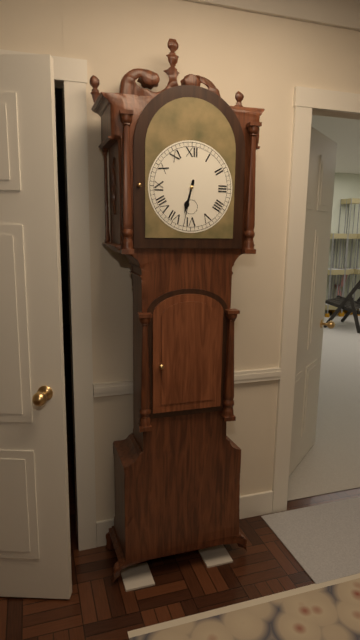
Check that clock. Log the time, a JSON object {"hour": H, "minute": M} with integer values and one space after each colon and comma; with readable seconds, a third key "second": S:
{"hour": 6, "minute": 32}
